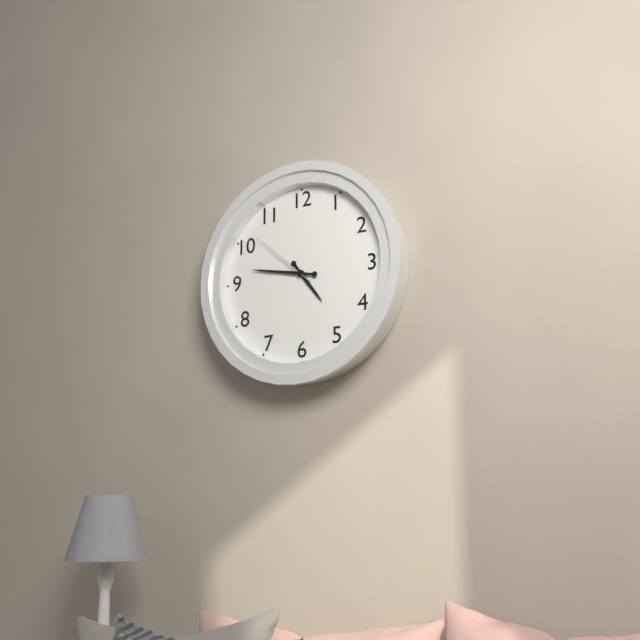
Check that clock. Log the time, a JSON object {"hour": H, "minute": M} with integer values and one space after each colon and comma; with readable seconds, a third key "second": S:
{"hour": 4, "minute": 47, "second": 52}
